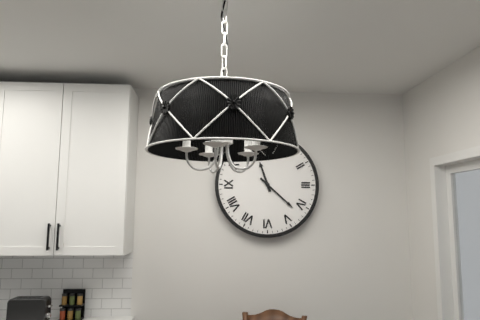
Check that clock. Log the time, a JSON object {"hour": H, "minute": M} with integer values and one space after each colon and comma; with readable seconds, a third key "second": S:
{"hour": 11, "minute": 22}
